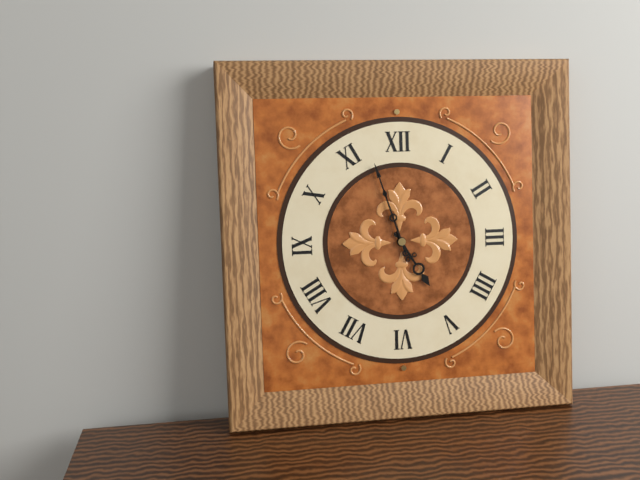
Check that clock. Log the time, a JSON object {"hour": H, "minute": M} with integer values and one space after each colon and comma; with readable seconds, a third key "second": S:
{"hour": 4, "minute": 57}
